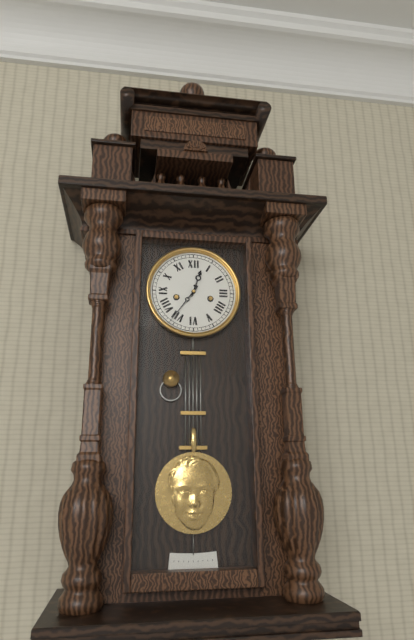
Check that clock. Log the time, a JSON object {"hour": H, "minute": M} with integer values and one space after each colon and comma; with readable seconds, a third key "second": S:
{"hour": 12, "minute": 36}
